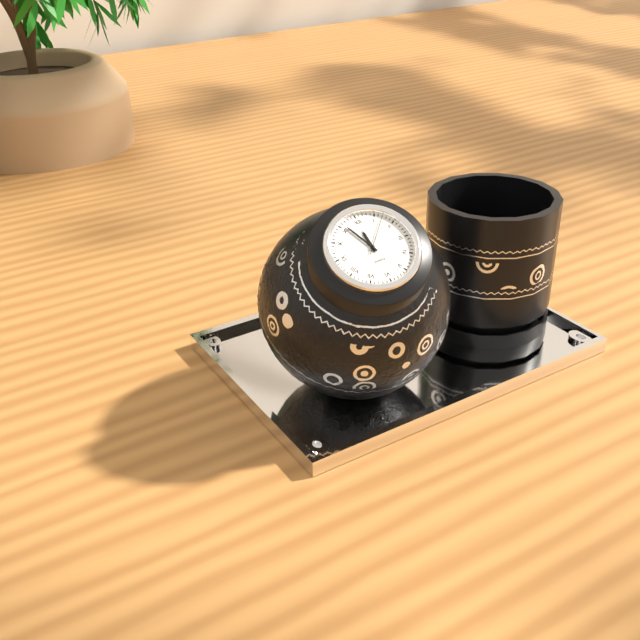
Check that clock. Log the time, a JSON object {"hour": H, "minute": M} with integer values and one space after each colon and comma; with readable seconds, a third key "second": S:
{"hour": 11, "minute": 56, "second": 7}
